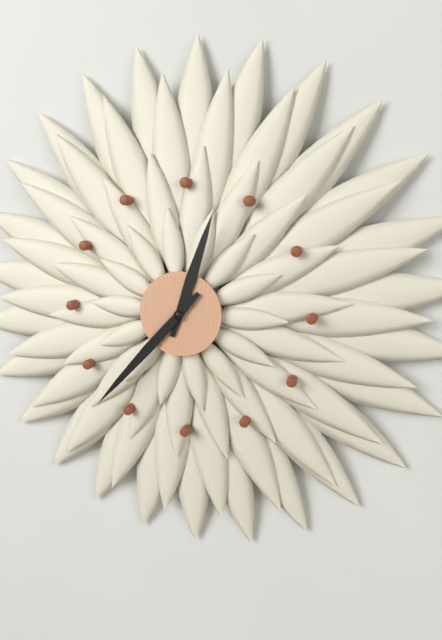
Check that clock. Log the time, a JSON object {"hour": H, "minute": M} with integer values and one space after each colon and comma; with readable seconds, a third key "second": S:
{"hour": 12, "minute": 37}
